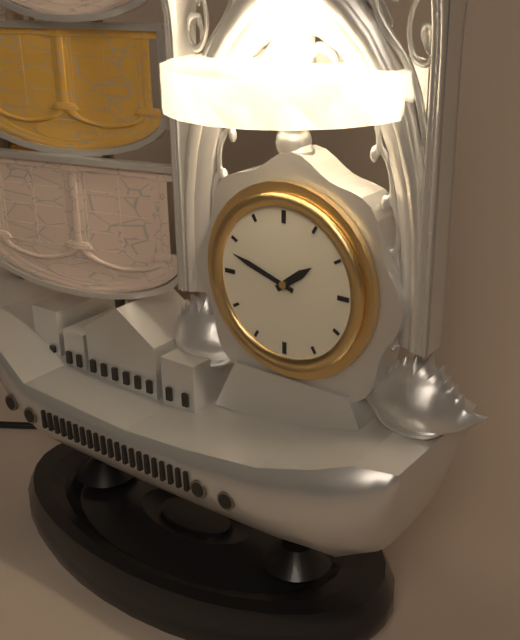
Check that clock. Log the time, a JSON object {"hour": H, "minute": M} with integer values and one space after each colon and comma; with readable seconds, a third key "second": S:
{"hour": 1, "minute": 48}
